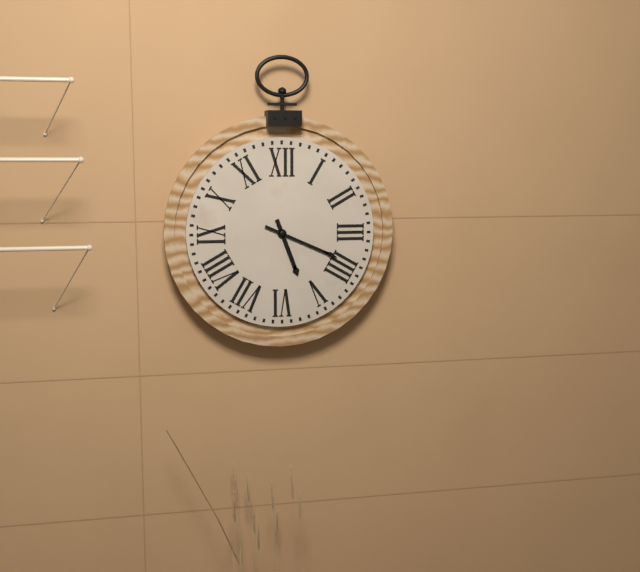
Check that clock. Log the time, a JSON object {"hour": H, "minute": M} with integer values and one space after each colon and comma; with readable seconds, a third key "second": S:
{"hour": 5, "minute": 19}
